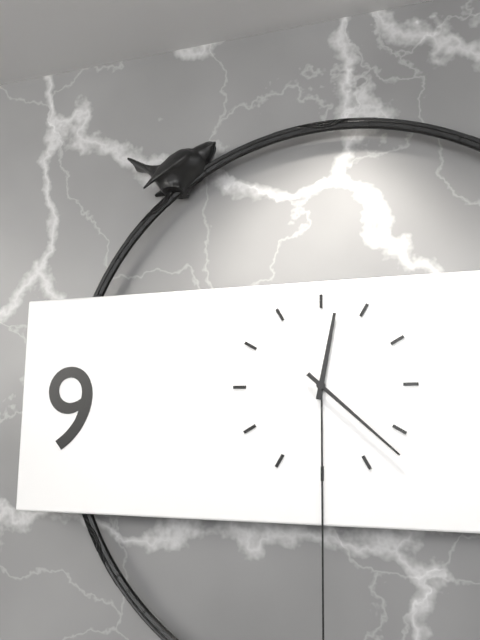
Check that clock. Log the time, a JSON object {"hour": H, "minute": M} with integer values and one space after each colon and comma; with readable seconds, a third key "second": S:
{"hour": 12, "minute": 22}
